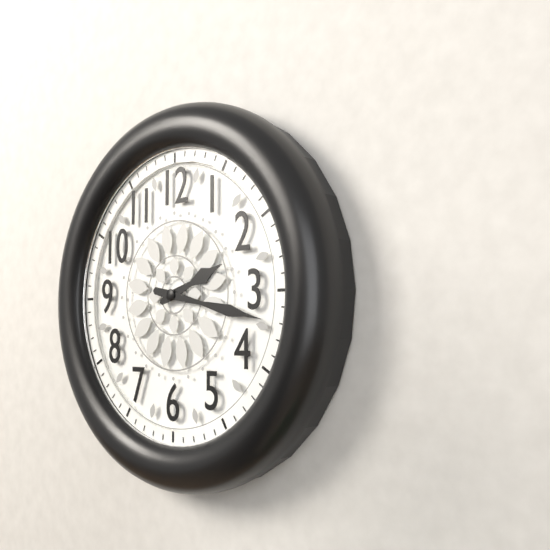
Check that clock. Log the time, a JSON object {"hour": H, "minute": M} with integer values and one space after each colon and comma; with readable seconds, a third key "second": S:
{"hour": 2, "minute": 17}
